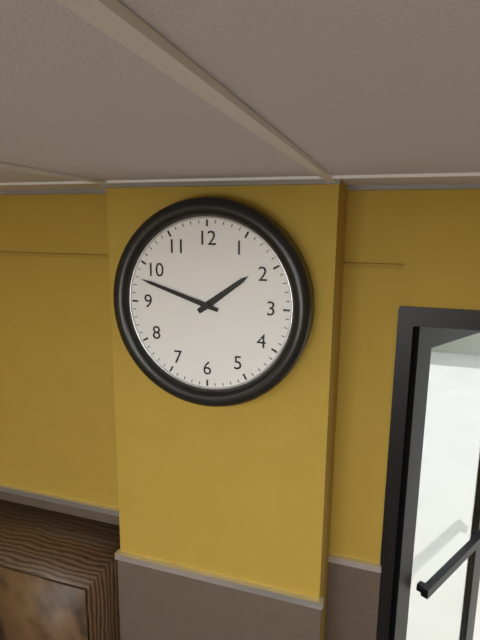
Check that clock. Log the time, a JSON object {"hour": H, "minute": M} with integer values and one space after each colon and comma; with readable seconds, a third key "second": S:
{"hour": 1, "minute": 48}
